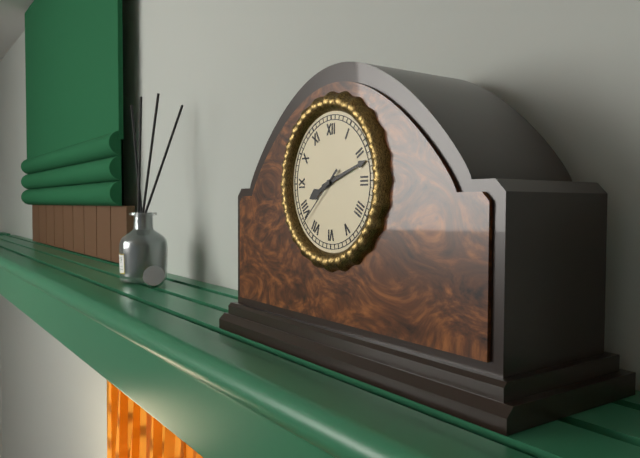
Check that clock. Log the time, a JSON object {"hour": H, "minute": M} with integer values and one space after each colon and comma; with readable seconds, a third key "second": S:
{"hour": 8, "minute": 12, "second": 38}
